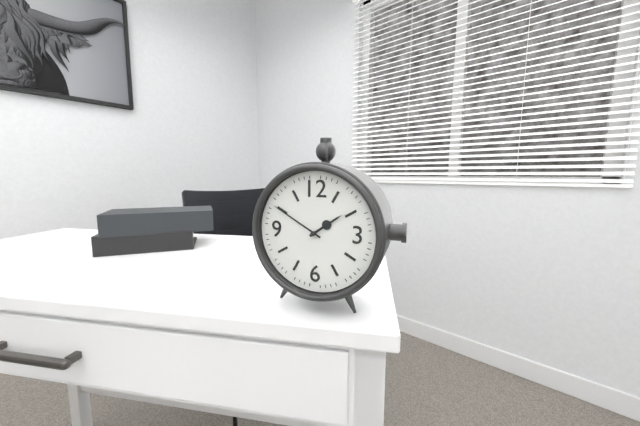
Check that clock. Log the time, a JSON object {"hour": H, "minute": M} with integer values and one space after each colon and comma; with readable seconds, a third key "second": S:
{"hour": 1, "minute": 50}
